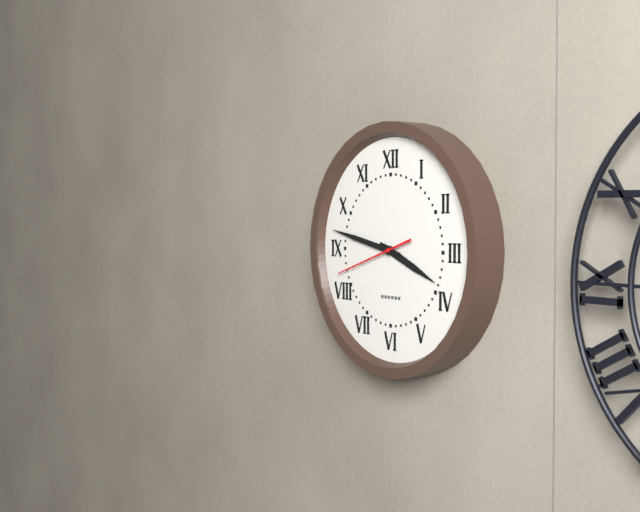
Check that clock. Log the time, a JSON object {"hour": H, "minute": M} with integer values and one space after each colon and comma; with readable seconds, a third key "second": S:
{"hour": 3, "minute": 47, "second": 42}
